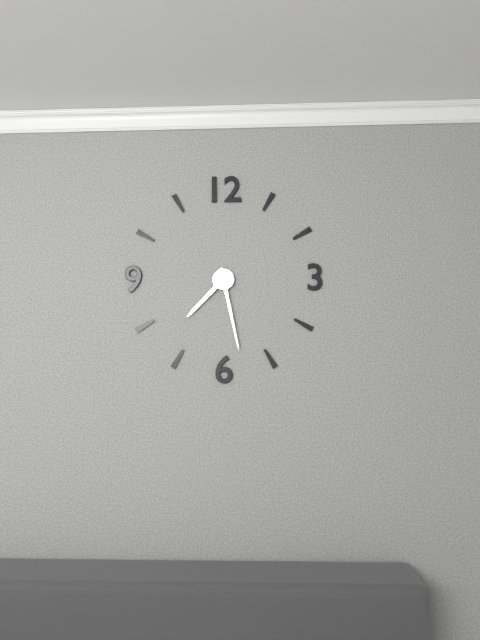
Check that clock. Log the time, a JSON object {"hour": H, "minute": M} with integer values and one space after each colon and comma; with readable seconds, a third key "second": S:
{"hour": 7, "minute": 28}
